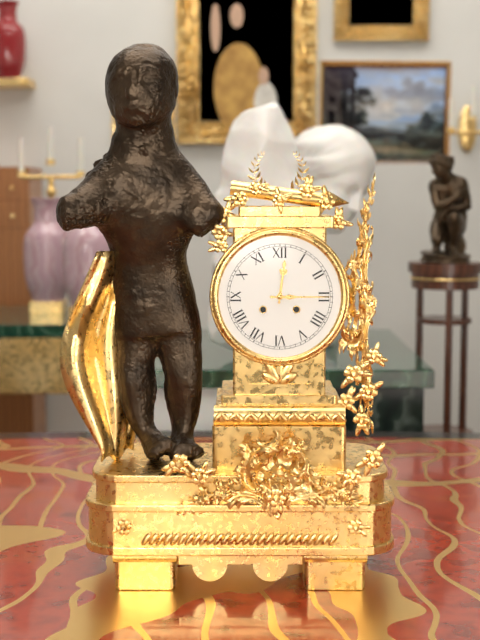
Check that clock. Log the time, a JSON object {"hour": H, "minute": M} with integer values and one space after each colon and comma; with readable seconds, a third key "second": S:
{"hour": 12, "minute": 15}
